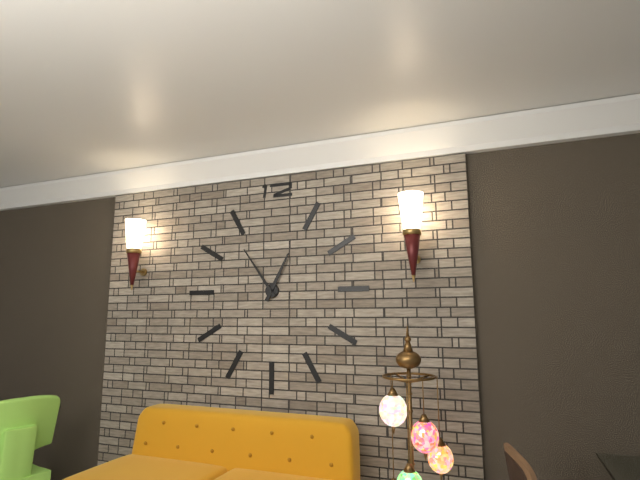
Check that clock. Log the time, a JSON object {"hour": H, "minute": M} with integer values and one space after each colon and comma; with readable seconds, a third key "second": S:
{"hour": 12, "minute": 54}
